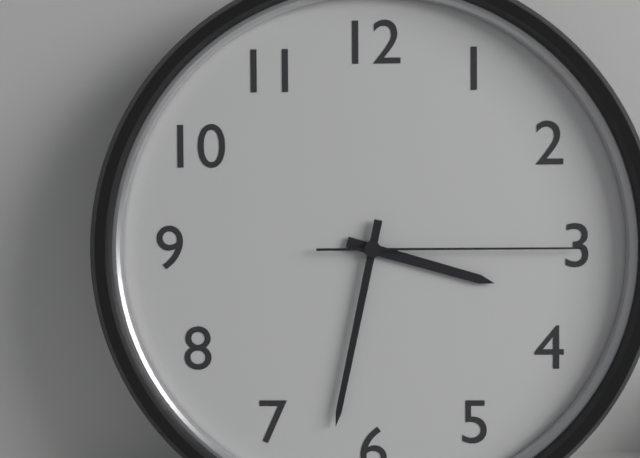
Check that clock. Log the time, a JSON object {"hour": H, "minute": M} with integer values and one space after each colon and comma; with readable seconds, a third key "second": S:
{"hour": 3, "minute": 32, "second": 15}
